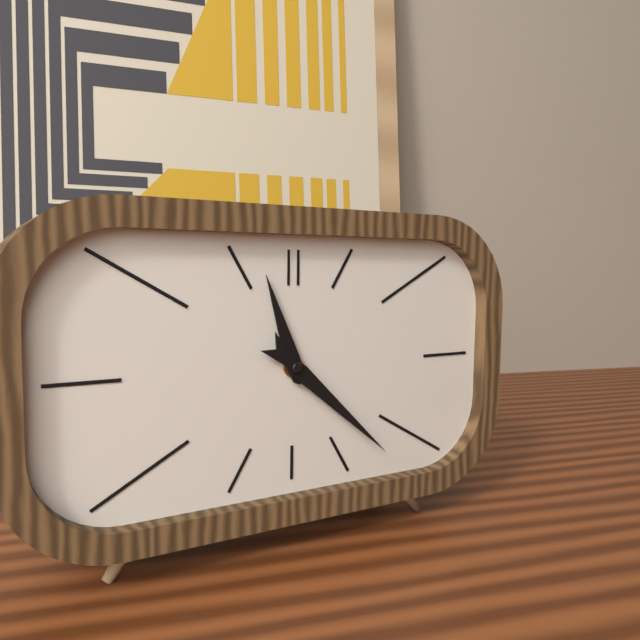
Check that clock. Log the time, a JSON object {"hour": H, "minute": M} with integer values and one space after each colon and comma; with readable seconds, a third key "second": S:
{"hour": 11, "minute": 22}
